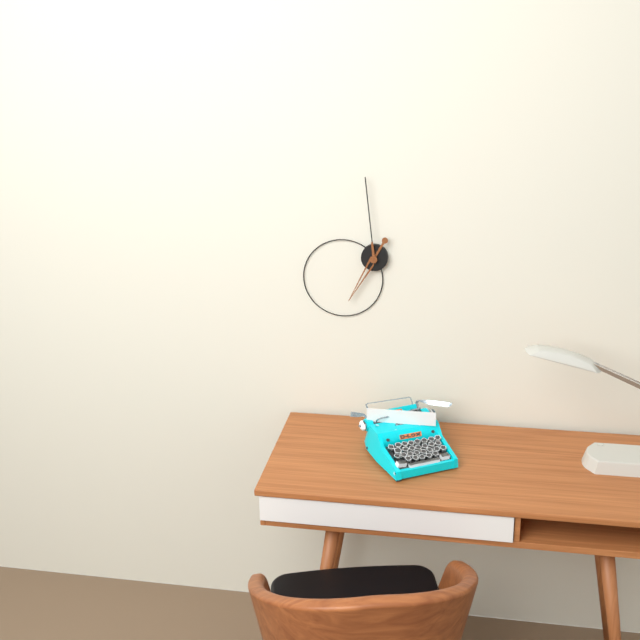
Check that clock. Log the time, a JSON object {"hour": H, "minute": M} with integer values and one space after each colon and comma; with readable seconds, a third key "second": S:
{"hour": 6, "minute": 59}
